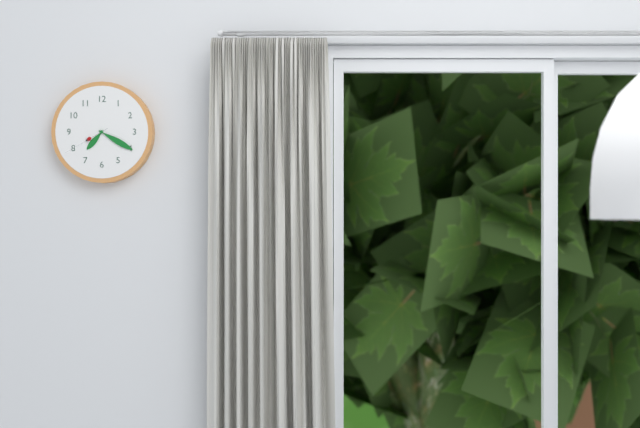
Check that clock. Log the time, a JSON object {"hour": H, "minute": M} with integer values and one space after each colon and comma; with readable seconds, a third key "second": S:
{"hour": 7, "minute": 20, "second": 40}
